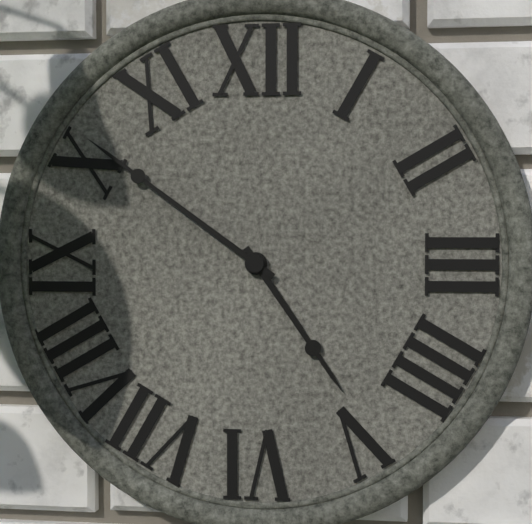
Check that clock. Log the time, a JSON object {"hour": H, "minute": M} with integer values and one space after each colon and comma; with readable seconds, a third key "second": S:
{"hour": 4, "minute": 51}
